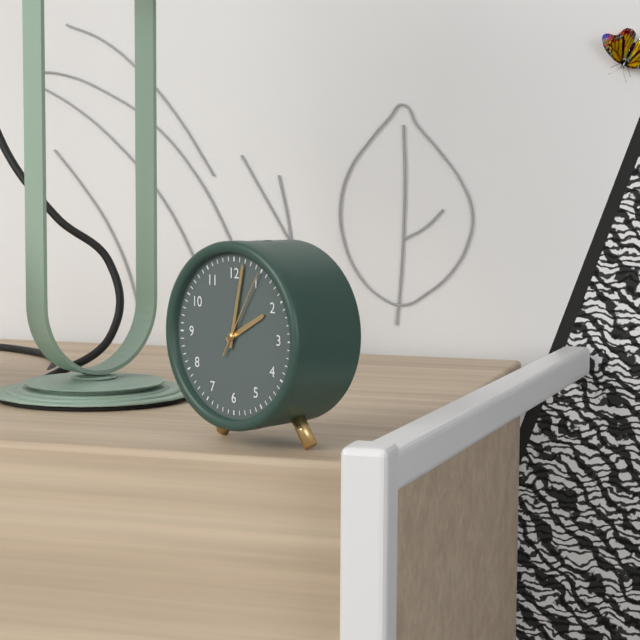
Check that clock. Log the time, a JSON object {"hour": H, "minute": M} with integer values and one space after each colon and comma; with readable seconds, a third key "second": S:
{"hour": 2, "minute": 2, "second": 5}
